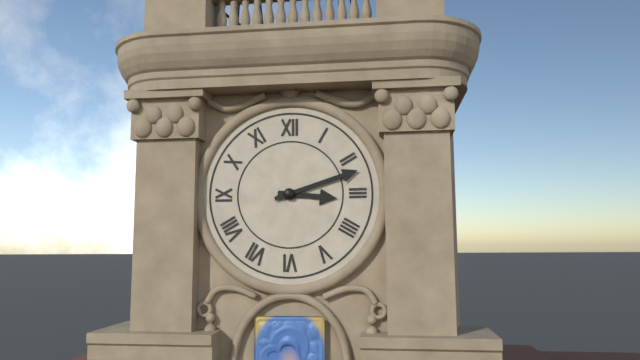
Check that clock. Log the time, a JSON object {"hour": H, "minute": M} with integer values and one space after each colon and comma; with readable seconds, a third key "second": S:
{"hour": 3, "minute": 12}
